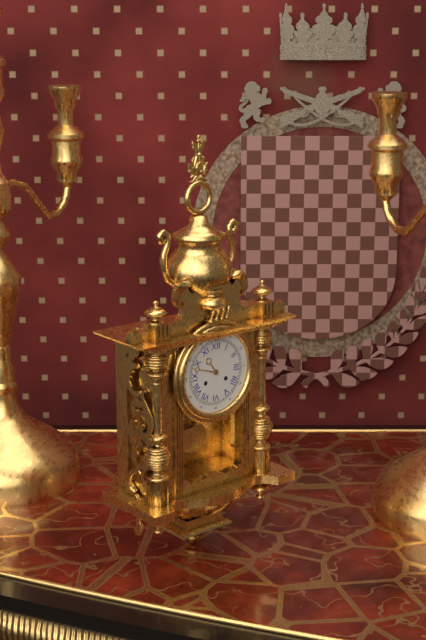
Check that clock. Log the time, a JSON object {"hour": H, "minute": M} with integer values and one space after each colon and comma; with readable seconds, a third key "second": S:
{"hour": 10, "minute": 48}
